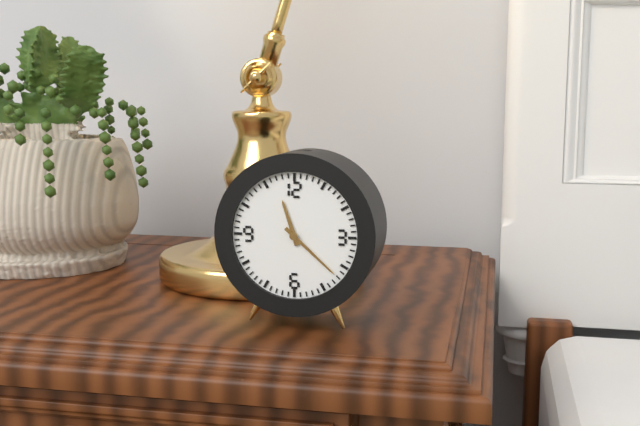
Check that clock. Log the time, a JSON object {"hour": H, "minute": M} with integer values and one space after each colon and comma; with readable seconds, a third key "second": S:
{"hour": 11, "minute": 22}
